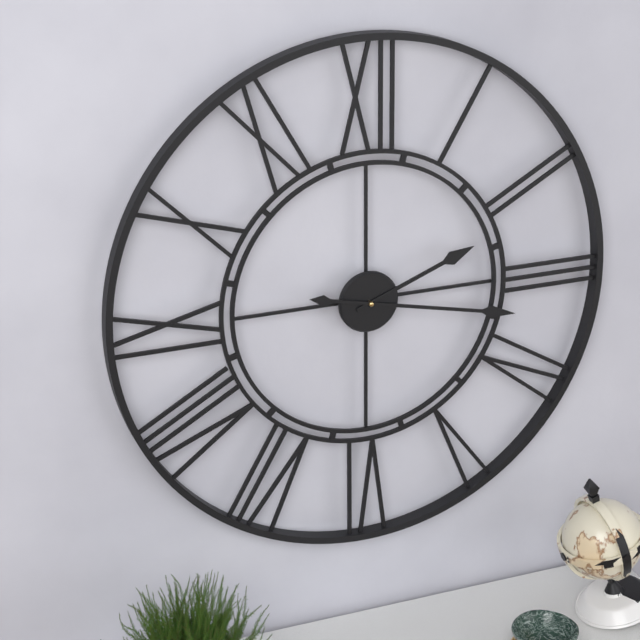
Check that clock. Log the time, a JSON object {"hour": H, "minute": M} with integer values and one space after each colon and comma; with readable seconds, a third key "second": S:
{"hour": 2, "minute": 17}
